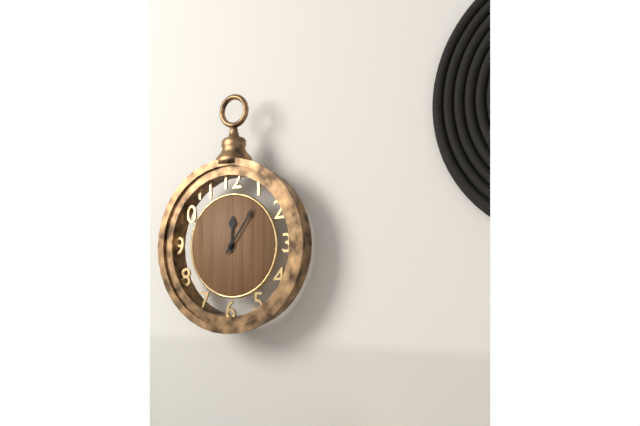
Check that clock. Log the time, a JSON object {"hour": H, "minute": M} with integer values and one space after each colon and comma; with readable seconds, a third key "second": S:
{"hour": 12, "minute": 6}
